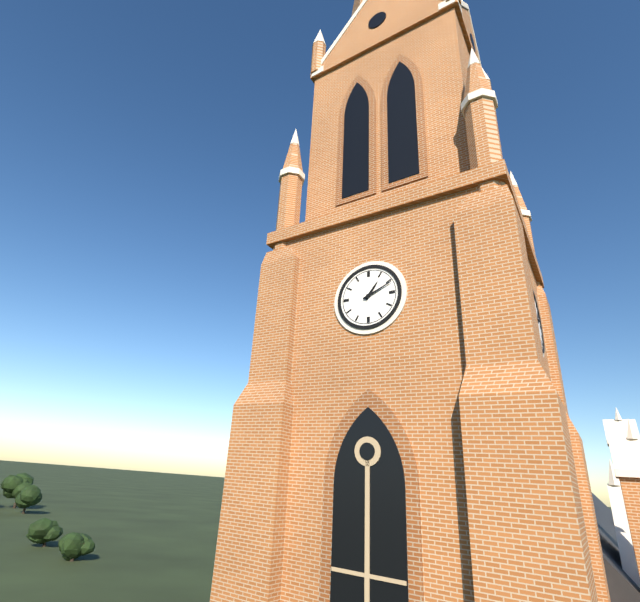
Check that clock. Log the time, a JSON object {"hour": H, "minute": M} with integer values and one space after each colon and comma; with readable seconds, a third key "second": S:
{"hour": 1, "minute": 11}
